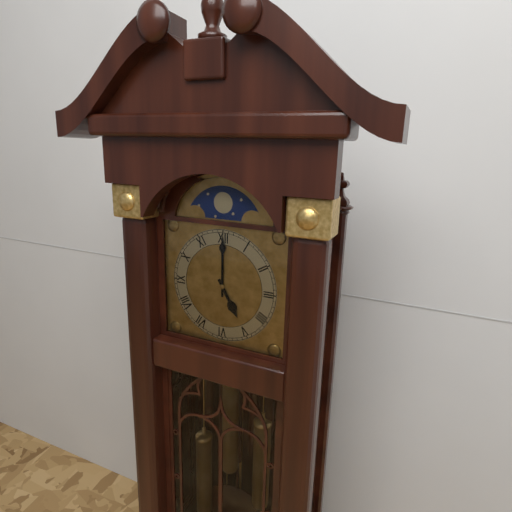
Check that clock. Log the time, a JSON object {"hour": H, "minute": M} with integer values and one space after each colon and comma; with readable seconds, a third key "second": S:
{"hour": 5, "minute": 0}
